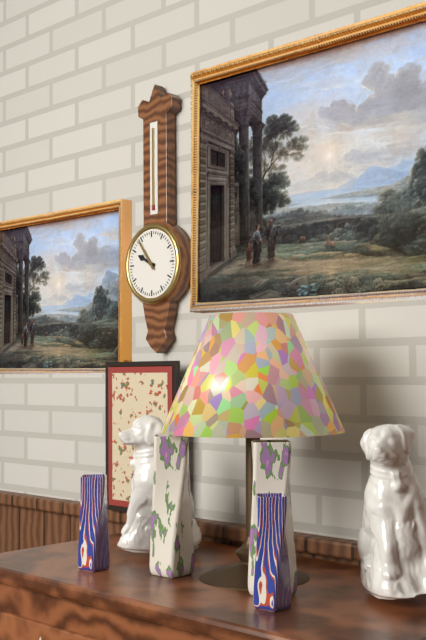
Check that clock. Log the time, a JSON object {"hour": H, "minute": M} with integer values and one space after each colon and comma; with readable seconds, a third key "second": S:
{"hour": 9, "minute": 54}
